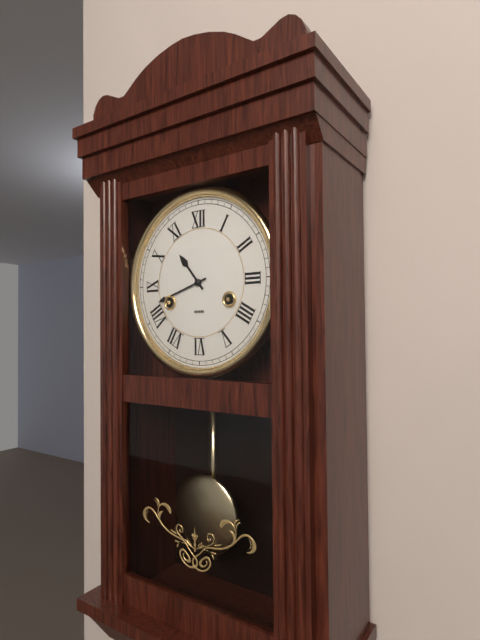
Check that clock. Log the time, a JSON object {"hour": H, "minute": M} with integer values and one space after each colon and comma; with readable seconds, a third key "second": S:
{"hour": 10, "minute": 42}
